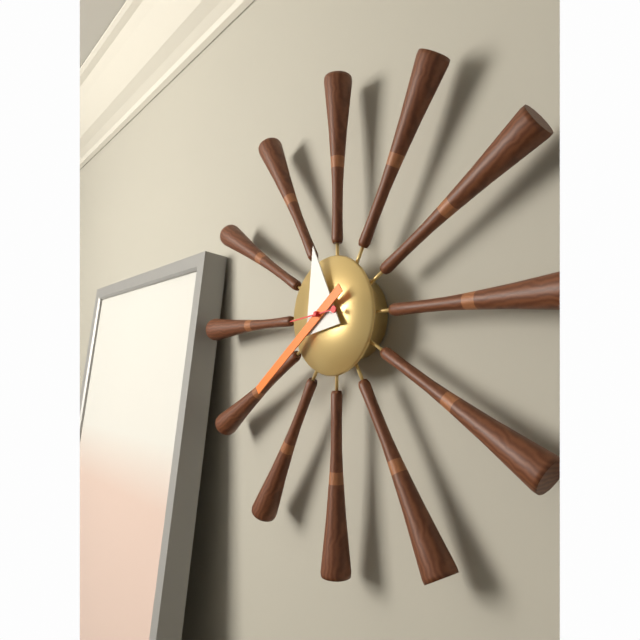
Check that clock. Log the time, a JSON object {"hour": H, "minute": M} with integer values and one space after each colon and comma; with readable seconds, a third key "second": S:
{"hour": 11, "minute": 39, "second": 44}
